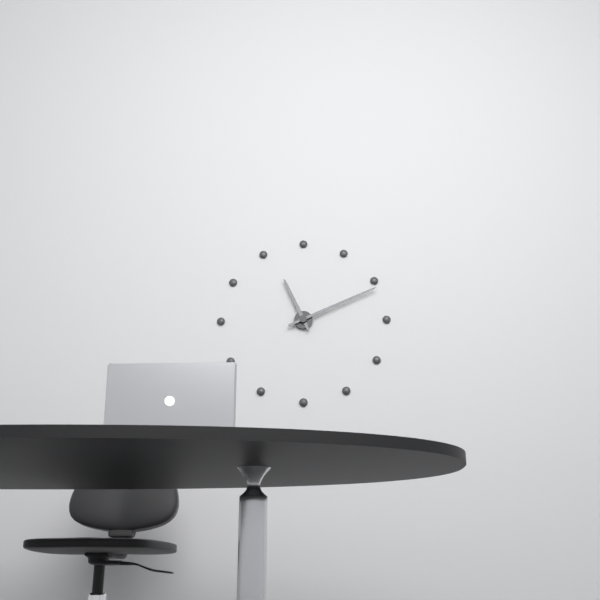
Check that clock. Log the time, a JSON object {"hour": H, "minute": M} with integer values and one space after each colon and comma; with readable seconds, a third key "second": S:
{"hour": 11, "minute": 11}
